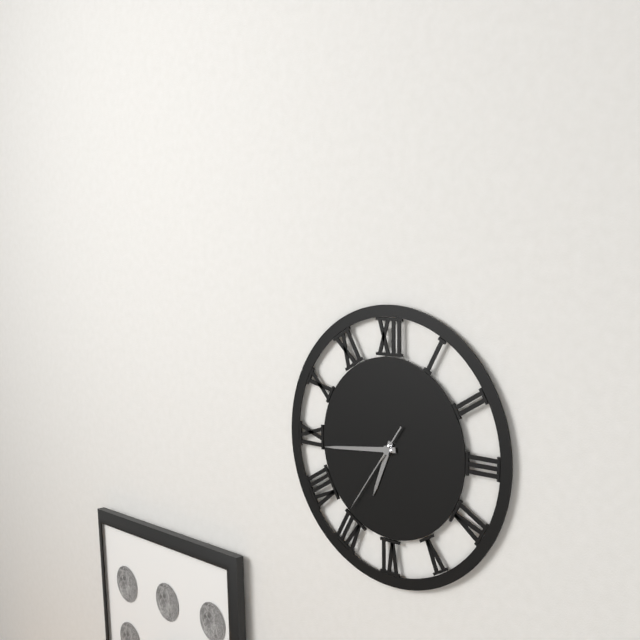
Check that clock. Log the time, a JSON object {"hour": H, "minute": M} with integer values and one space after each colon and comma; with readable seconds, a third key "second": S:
{"hour": 6, "minute": 44, "second": 36}
